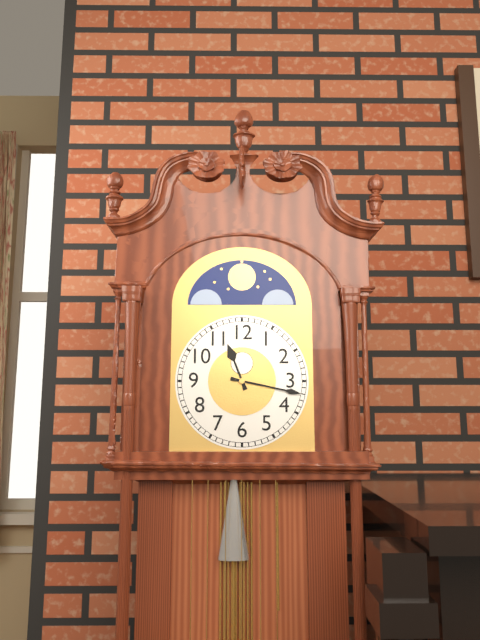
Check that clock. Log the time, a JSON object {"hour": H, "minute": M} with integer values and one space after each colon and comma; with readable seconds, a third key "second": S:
{"hour": 11, "minute": 17}
